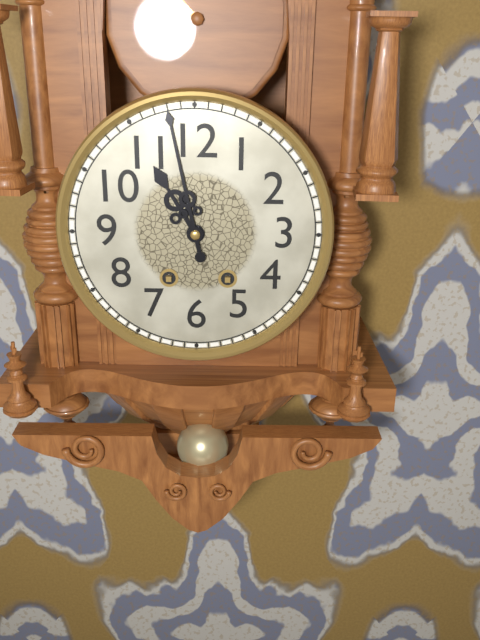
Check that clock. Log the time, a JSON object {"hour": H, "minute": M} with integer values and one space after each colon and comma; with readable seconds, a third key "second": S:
{"hour": 10, "minute": 58}
